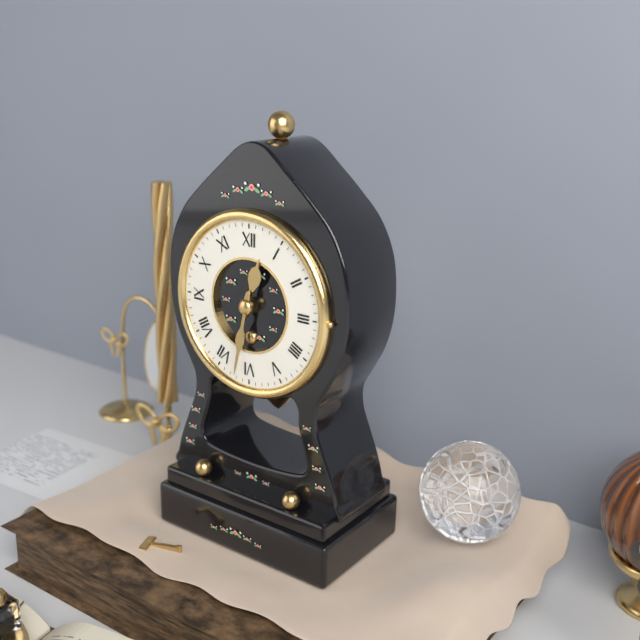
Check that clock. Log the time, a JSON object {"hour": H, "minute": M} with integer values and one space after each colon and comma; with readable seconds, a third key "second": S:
{"hour": 12, "minute": 32}
